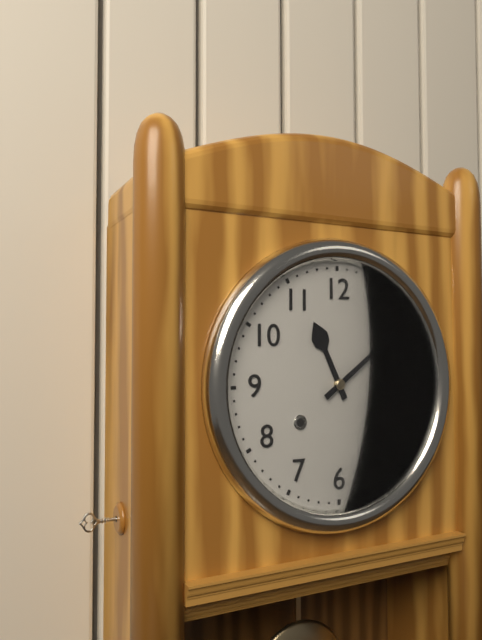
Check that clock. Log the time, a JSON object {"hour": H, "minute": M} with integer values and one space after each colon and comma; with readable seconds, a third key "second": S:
{"hour": 11, "minute": 9}
